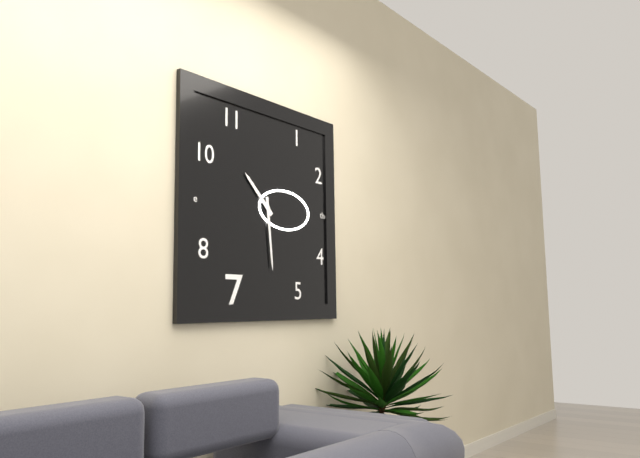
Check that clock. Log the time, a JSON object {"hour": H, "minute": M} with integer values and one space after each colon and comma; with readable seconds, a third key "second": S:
{"hour": 10, "minute": 29}
